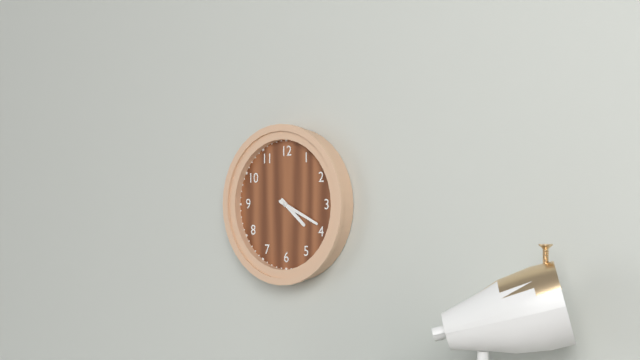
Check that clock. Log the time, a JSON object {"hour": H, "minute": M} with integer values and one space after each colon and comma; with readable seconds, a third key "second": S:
{"hour": 4, "minute": 19}
